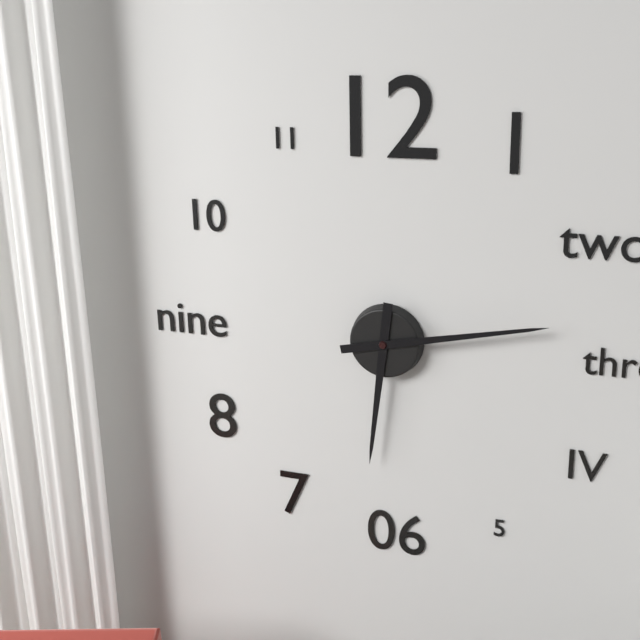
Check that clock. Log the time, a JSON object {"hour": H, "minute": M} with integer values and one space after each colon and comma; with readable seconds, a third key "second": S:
{"hour": 6, "minute": 13}
